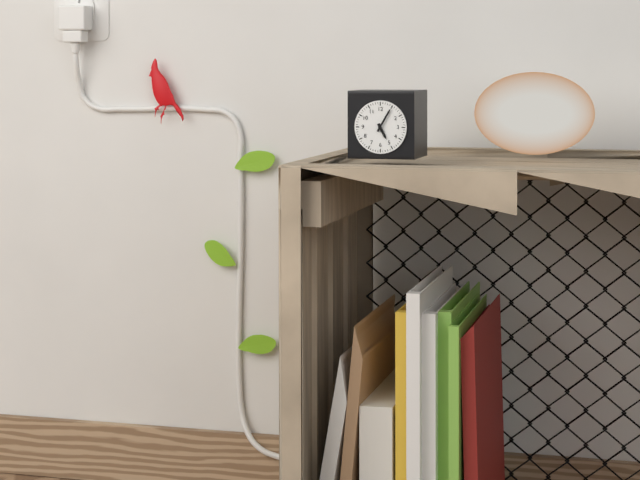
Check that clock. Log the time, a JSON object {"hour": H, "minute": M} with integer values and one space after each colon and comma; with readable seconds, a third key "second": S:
{"hour": 5, "minute": 5}
